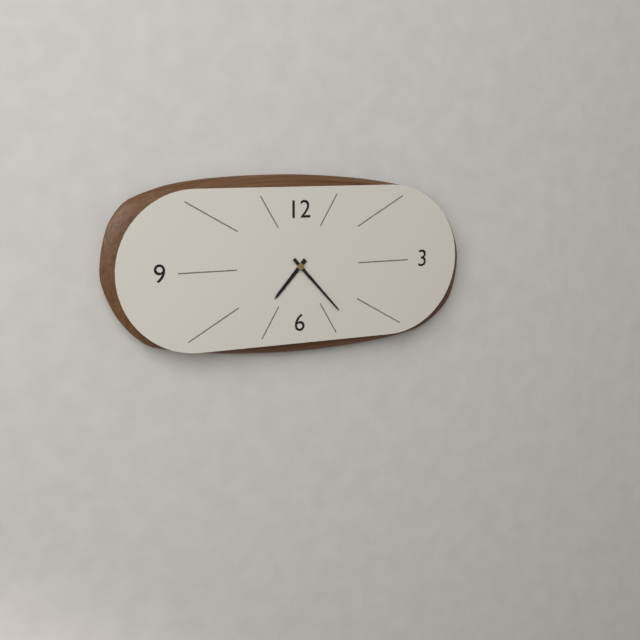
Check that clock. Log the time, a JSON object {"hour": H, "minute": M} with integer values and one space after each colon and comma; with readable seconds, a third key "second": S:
{"hour": 7, "minute": 23}
